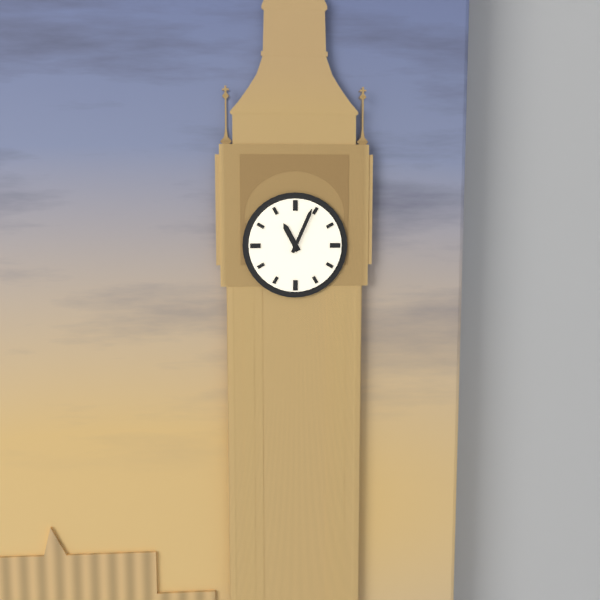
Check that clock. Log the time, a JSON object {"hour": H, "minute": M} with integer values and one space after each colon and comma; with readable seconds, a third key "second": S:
{"hour": 11, "minute": 4}
